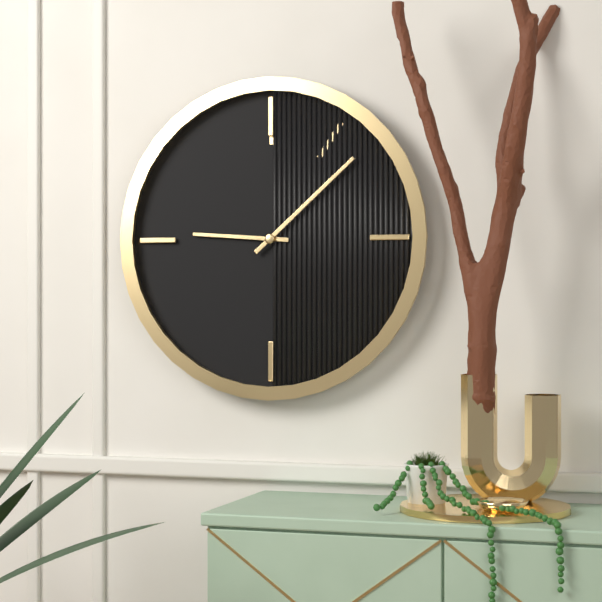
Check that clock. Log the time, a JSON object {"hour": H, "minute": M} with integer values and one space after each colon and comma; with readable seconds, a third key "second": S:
{"hour": 9, "minute": 8}
